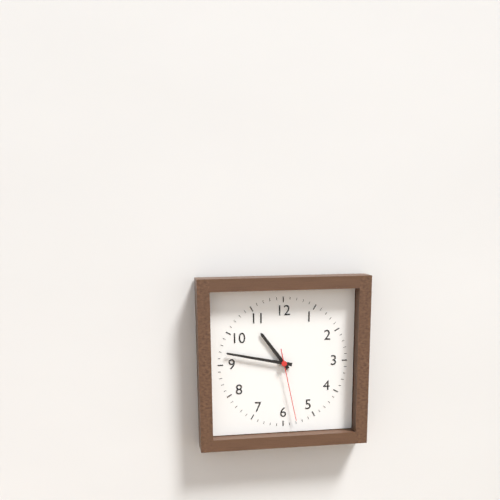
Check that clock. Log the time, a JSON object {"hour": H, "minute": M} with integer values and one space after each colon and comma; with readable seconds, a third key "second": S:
{"hour": 10, "minute": 47, "second": 28}
